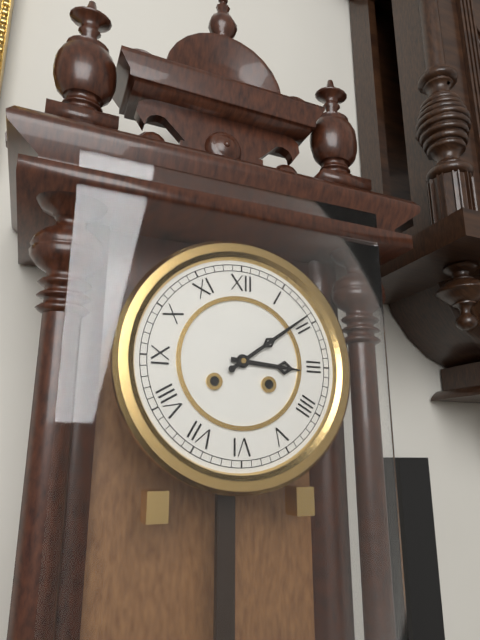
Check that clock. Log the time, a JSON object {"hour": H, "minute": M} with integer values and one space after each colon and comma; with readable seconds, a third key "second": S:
{"hour": 3, "minute": 9}
